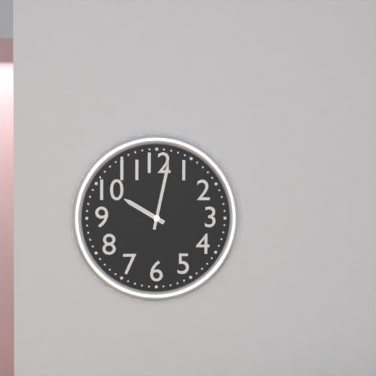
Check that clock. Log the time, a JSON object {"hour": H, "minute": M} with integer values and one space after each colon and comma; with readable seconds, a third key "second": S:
{"hour": 10, "minute": 2}
